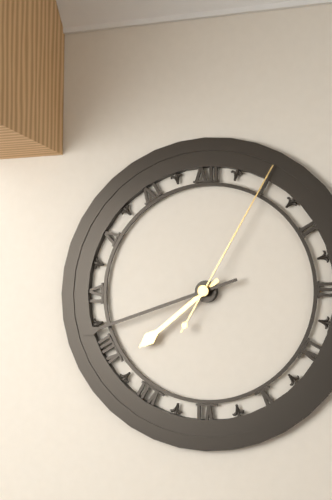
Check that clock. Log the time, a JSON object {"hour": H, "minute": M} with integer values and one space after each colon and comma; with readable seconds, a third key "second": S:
{"hour": 7, "minute": 42, "second": 5}
